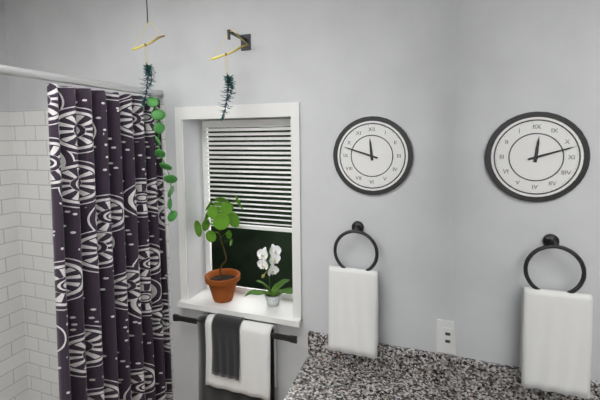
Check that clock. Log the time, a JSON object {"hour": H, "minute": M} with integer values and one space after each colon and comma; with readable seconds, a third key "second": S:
{"hour": 11, "minute": 48}
